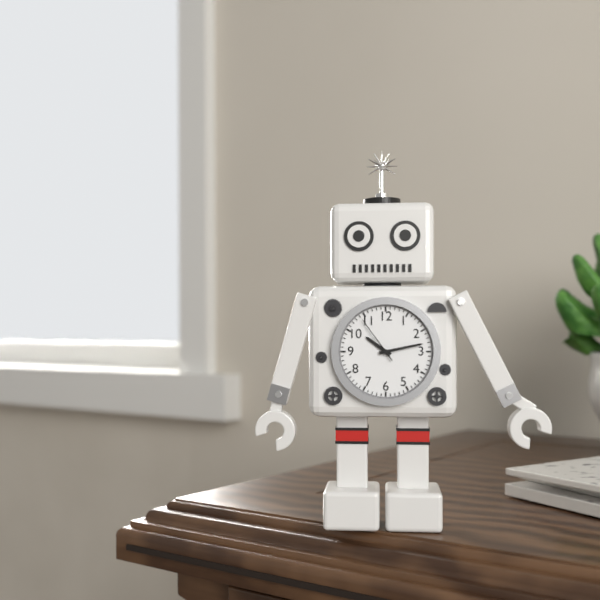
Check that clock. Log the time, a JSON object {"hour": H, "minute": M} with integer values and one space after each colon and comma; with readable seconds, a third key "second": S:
{"hour": 10, "minute": 13, "second": 54}
